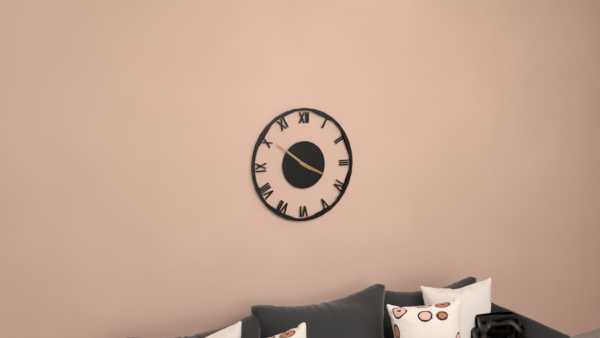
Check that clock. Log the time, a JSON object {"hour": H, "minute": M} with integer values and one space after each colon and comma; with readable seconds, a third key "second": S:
{"hour": 3, "minute": 51}
